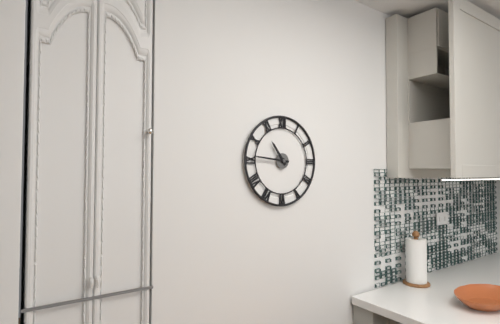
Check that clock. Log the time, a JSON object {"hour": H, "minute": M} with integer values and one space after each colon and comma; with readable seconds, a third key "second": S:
{"hour": 10, "minute": 46}
